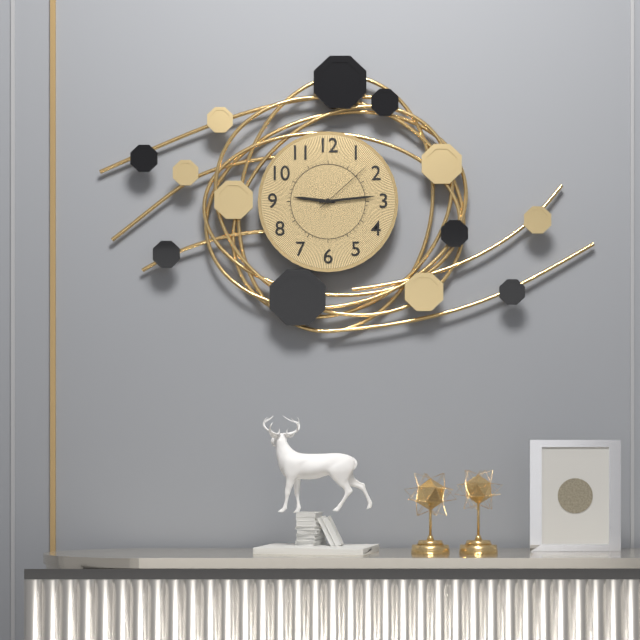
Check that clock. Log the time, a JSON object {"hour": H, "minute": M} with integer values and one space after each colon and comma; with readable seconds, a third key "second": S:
{"hour": 9, "minute": 14, "second": 8}
